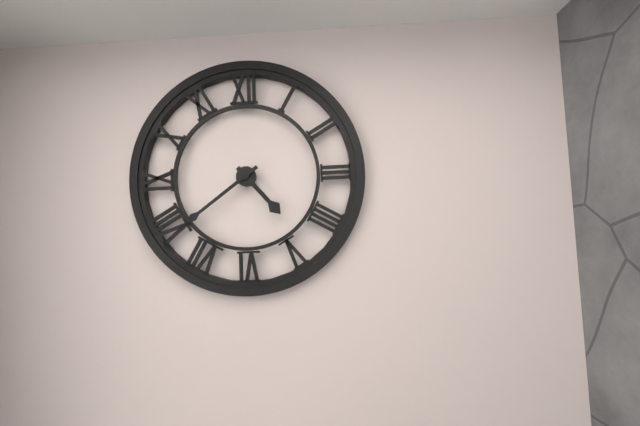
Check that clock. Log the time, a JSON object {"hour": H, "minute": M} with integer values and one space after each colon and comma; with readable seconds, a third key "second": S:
{"hour": 4, "minute": 39}
